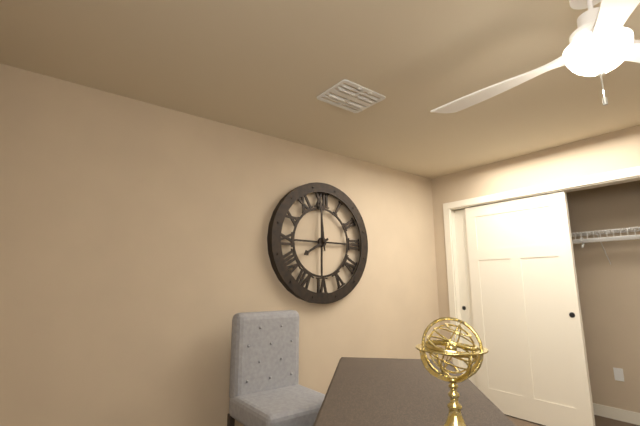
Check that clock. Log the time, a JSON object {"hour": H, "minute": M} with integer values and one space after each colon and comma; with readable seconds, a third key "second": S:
{"hour": 7, "minute": 59}
